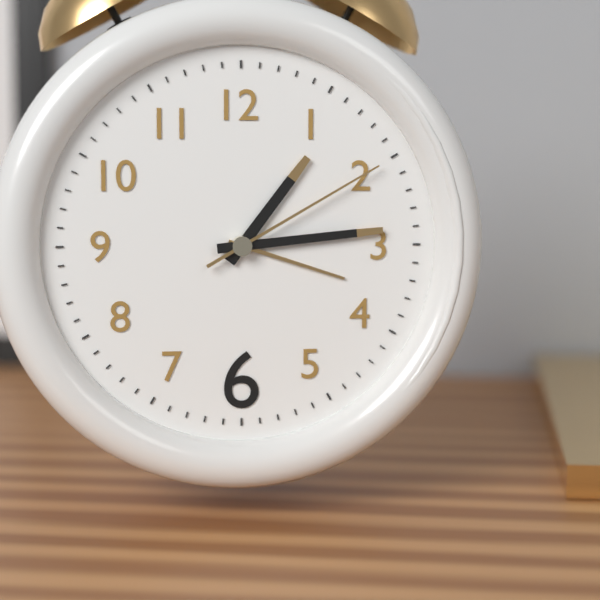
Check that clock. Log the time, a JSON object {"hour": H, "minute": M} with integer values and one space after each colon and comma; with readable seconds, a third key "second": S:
{"hour": 1, "minute": 14, "second": 10}
